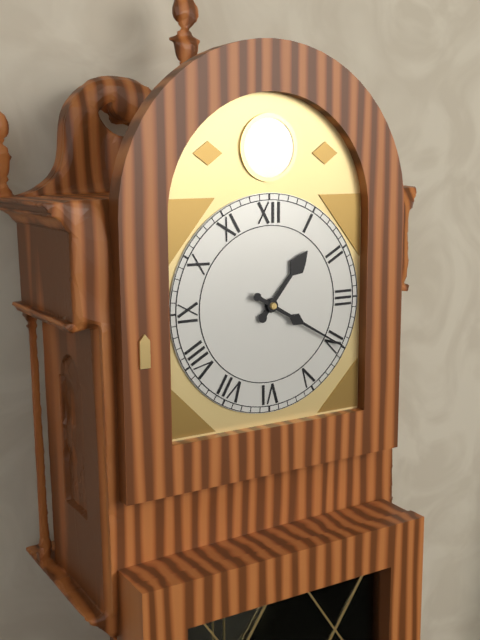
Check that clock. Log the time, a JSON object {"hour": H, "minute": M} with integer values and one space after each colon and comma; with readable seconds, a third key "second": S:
{"hour": 1, "minute": 20}
